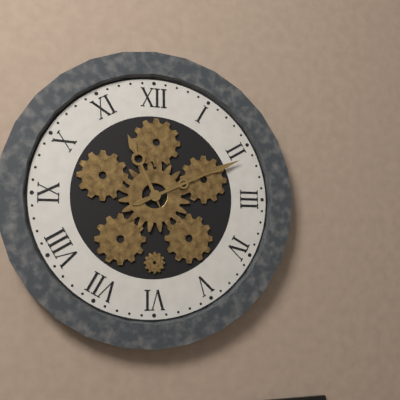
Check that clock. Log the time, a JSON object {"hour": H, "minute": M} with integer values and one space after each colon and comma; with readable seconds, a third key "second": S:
{"hour": 11, "minute": 11}
